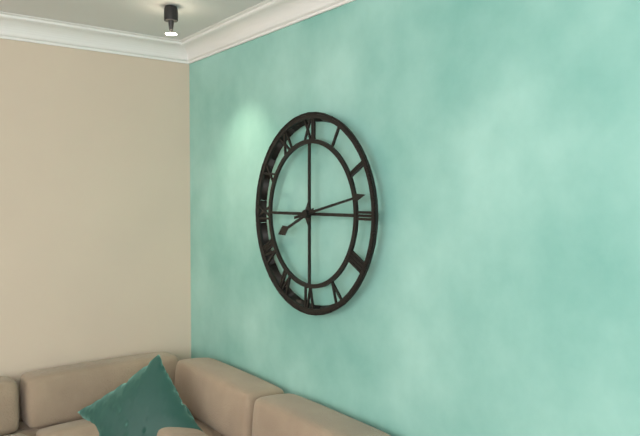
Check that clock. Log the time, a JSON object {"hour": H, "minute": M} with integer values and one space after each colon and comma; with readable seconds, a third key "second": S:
{"hour": 8, "minute": 13}
